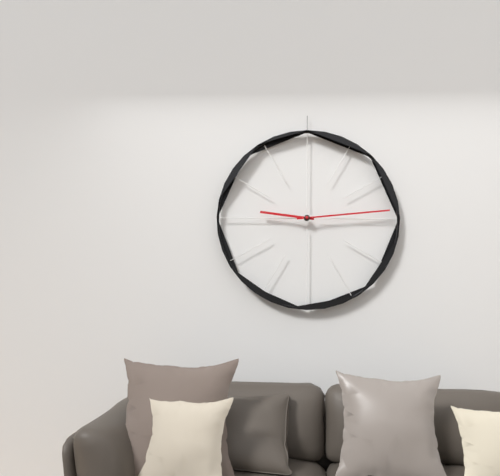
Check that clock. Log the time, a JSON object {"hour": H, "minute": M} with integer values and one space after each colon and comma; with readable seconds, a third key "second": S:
{"hour": 9, "minute": 14}
